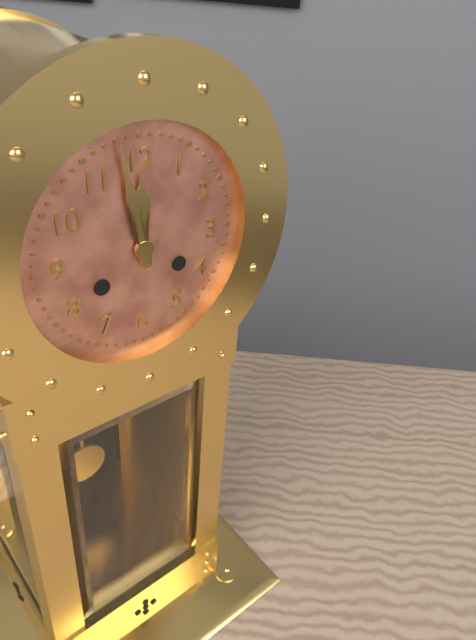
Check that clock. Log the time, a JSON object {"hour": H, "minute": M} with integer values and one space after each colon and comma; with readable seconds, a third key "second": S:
{"hour": 11, "minute": 58}
